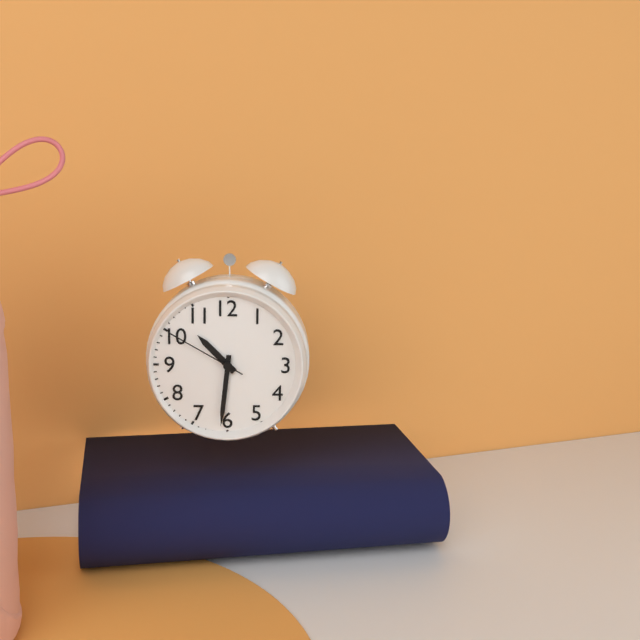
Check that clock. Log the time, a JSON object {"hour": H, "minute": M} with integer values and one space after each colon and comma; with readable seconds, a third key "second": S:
{"hour": 10, "minute": 31, "second": 50}
